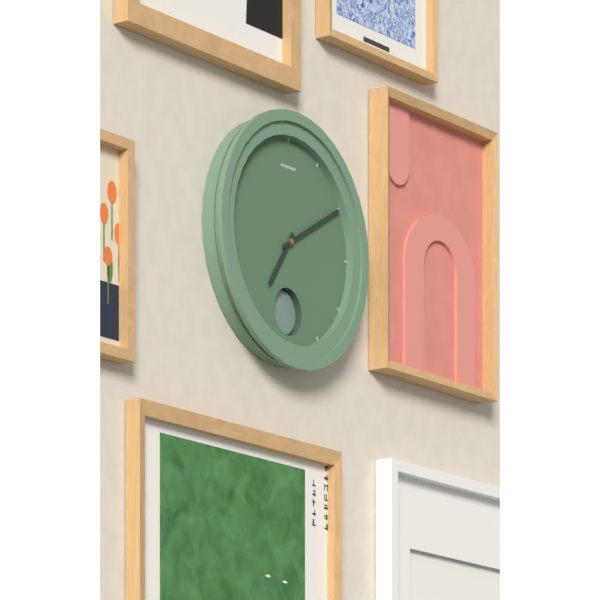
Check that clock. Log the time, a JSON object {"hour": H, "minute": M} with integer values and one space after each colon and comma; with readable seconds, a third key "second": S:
{"hour": 7, "minute": 10}
